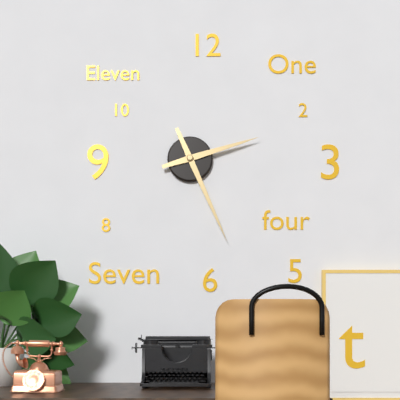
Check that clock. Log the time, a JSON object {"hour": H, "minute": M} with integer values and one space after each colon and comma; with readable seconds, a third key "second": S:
{"hour": 2, "minute": 26}
